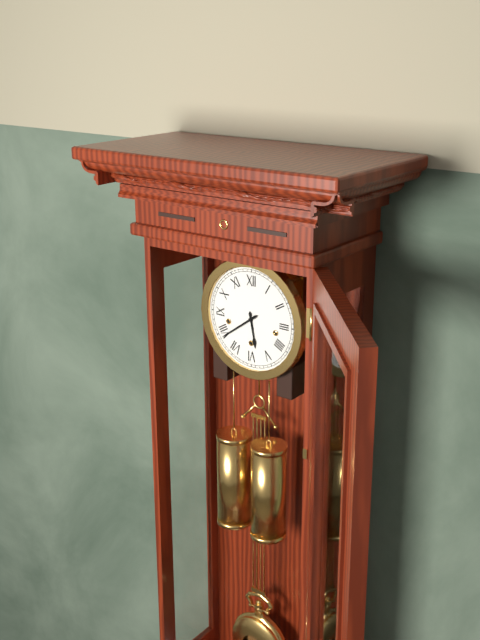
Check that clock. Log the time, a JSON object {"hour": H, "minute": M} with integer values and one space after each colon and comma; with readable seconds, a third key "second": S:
{"hour": 5, "minute": 39}
